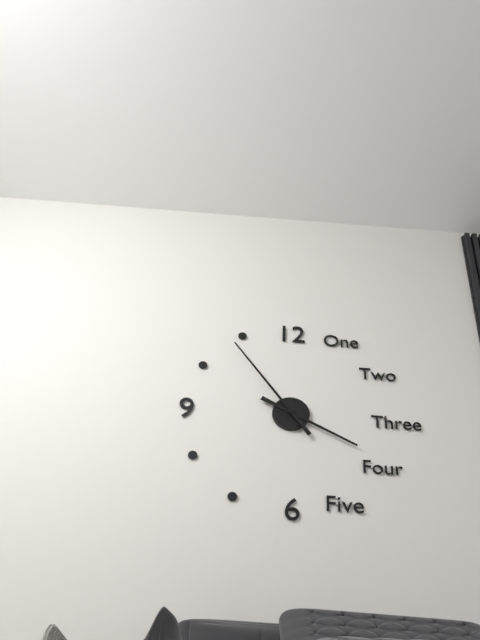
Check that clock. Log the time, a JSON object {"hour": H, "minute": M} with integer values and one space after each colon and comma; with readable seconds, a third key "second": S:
{"hour": 3, "minute": 54}
